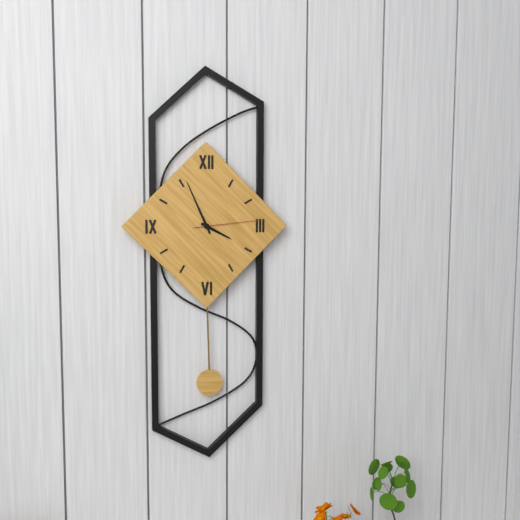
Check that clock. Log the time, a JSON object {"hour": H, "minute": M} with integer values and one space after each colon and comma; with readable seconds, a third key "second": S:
{"hour": 3, "minute": 56, "second": 14}
